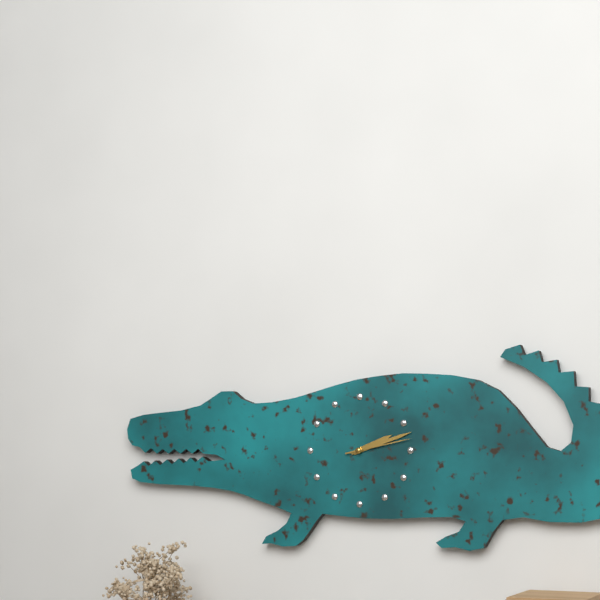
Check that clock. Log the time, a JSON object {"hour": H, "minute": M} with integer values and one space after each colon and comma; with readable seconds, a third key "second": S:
{"hour": 2, "minute": 12, "second": 13}
